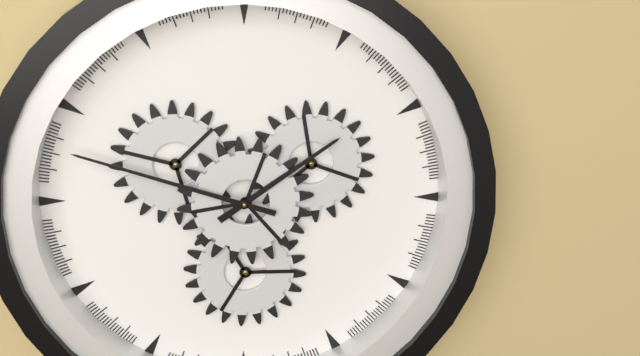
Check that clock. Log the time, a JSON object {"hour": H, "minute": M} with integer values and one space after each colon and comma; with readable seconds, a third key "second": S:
{"hour": 1, "minute": 48}
